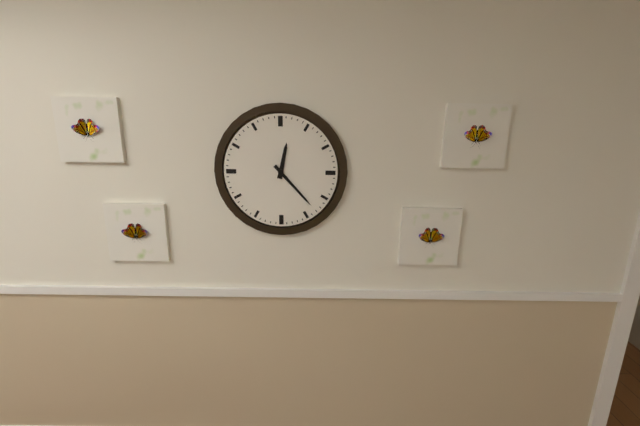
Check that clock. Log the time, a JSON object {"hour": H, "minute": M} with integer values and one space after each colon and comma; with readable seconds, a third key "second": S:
{"hour": 12, "minute": 23}
